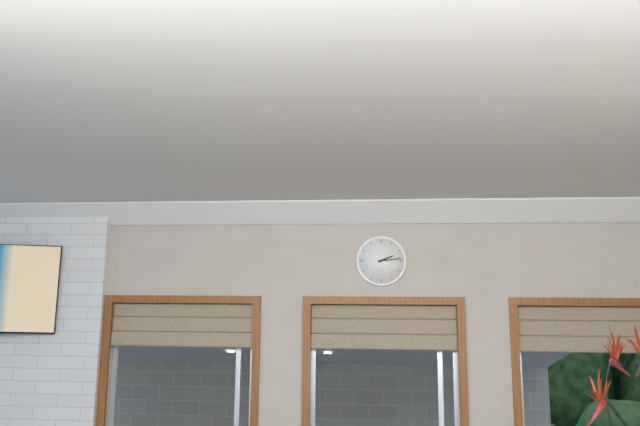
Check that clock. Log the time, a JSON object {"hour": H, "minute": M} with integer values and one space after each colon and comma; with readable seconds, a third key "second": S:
{"hour": 2, "minute": 14}
